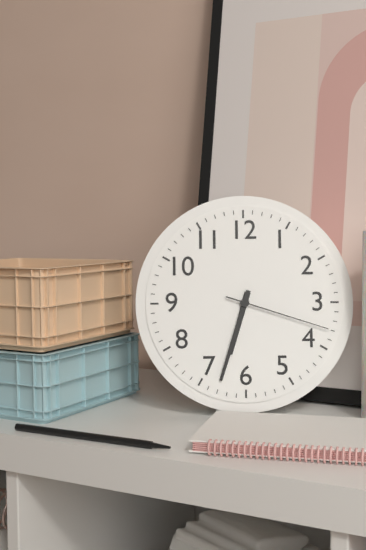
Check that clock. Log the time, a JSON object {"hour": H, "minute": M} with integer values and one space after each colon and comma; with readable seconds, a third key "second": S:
{"hour": 6, "minute": 33, "second": 18}
